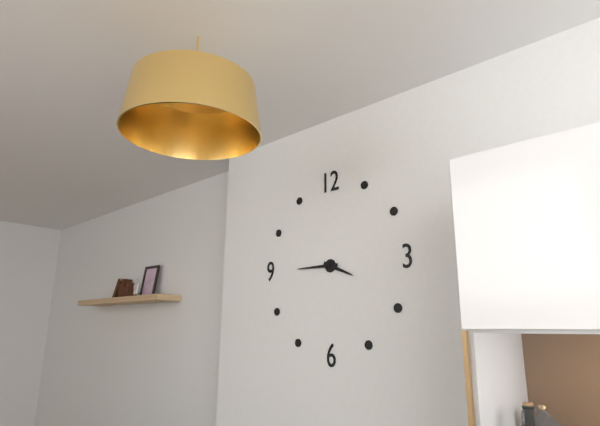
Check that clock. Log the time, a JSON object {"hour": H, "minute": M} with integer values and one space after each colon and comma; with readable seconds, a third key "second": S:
{"hour": 3, "minute": 45}
